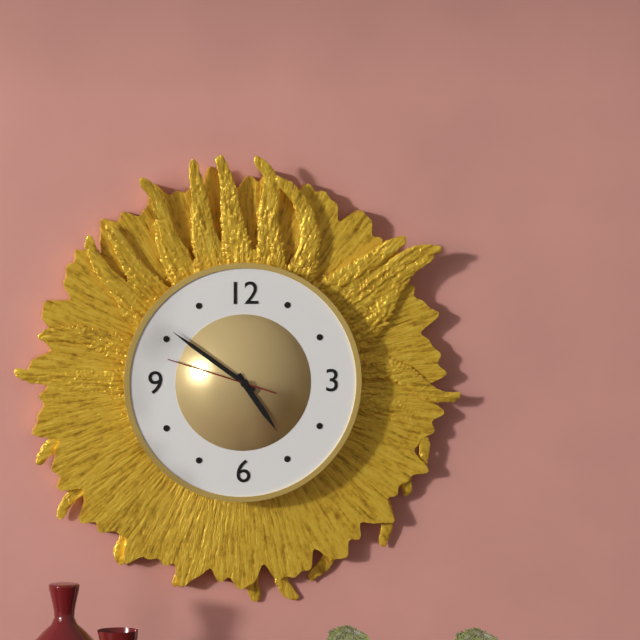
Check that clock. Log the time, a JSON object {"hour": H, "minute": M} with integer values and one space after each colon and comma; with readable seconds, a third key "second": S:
{"hour": 4, "minute": 51, "second": 48}
